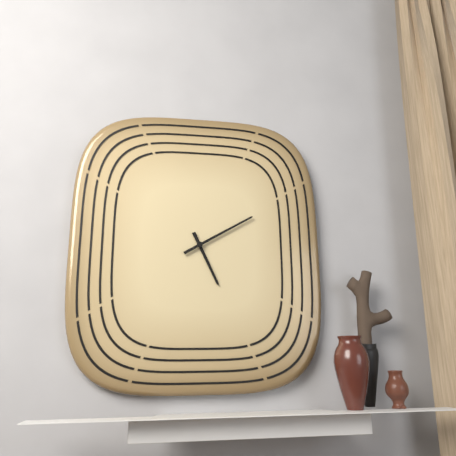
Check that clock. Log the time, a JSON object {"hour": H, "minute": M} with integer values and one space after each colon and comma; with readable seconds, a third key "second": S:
{"hour": 5, "minute": 10}
